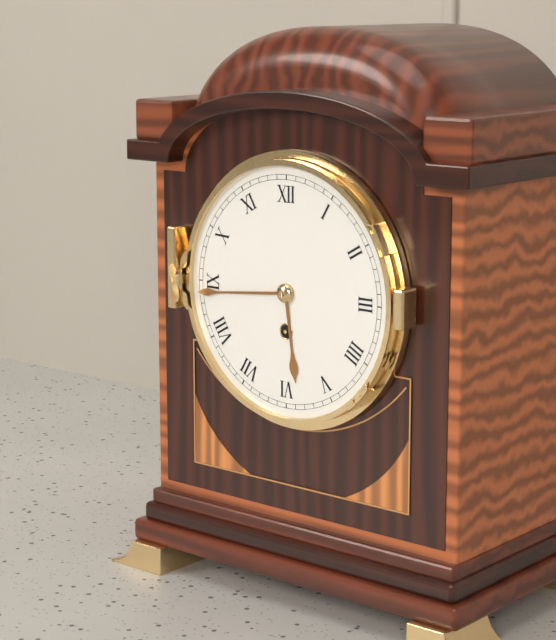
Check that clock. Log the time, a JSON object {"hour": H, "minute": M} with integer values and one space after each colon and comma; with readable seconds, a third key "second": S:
{"hour": 5, "minute": 44}
